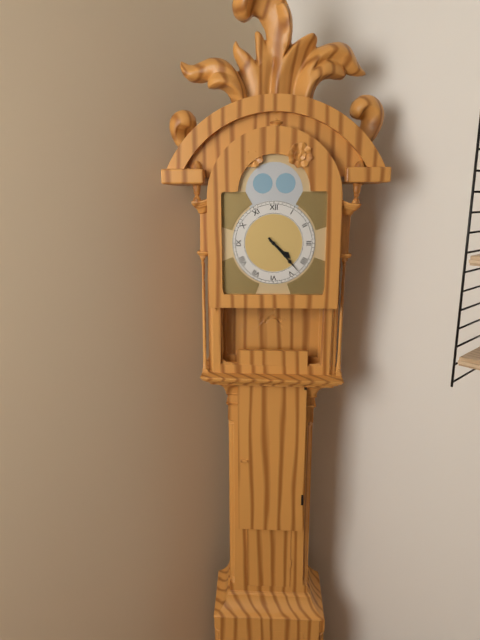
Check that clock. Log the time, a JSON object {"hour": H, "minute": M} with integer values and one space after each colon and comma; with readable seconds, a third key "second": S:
{"hour": 4, "minute": 23}
